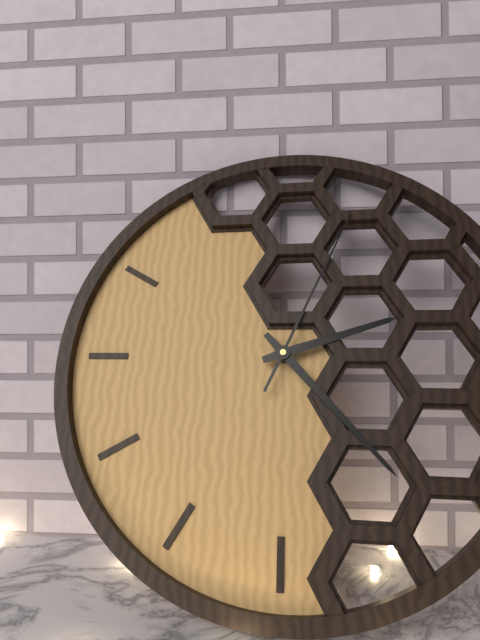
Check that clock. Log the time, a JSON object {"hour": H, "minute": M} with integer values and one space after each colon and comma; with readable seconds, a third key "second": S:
{"hour": 2, "minute": 23, "second": 4}
